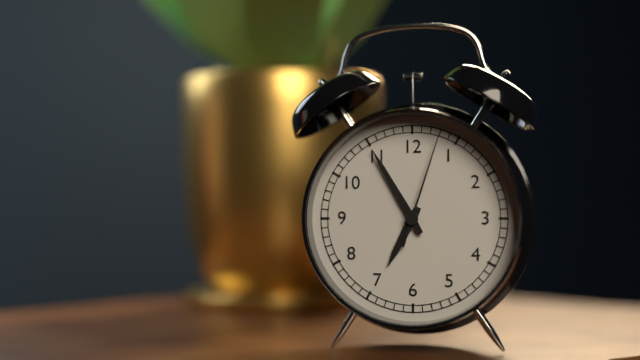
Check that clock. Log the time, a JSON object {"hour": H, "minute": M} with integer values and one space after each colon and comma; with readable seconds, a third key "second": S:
{"hour": 6, "minute": 55, "second": 3}
